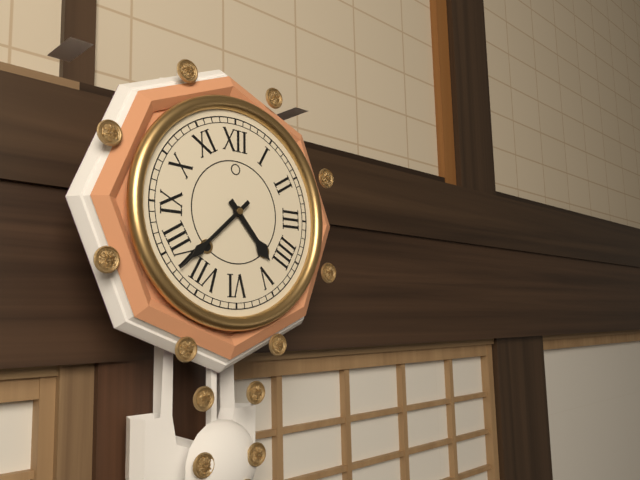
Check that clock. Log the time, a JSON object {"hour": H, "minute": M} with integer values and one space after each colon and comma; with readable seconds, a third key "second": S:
{"hour": 4, "minute": 38}
